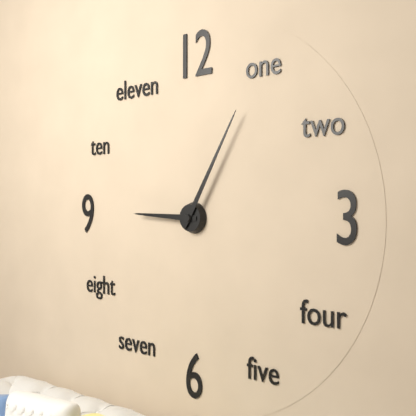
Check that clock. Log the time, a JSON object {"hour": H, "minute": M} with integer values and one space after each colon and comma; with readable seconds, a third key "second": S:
{"hour": 9, "minute": 5}
